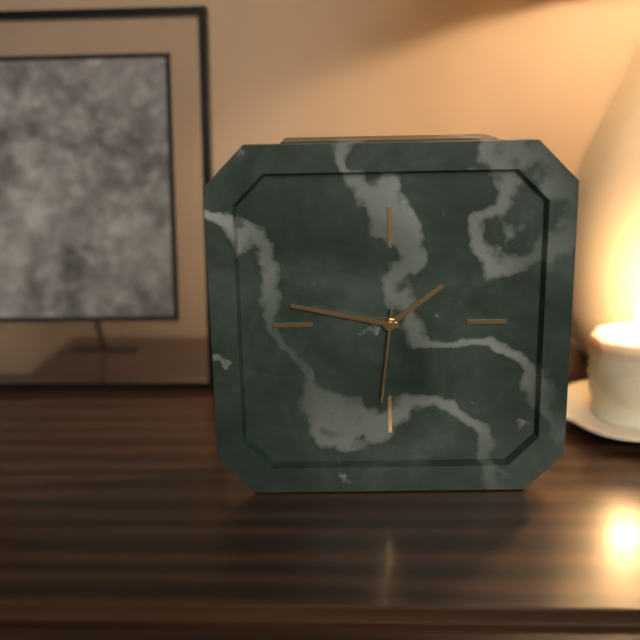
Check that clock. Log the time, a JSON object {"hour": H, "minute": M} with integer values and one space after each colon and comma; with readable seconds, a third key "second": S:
{"hour": 1, "minute": 47, "second": 31}
